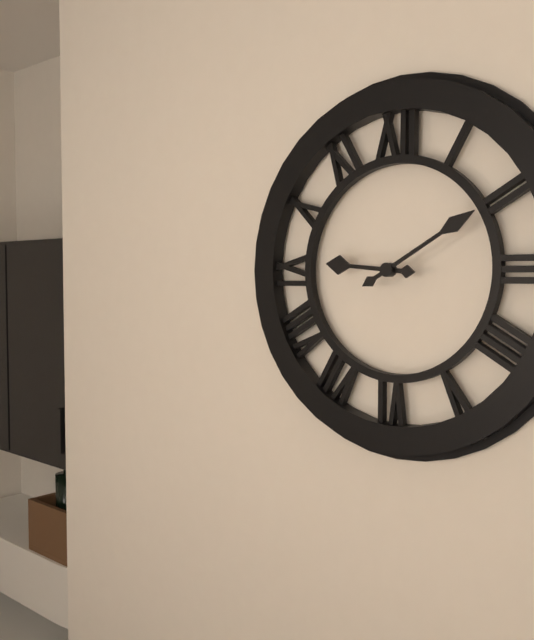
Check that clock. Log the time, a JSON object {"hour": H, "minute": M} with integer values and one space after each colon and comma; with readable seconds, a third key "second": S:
{"hour": 9, "minute": 10}
